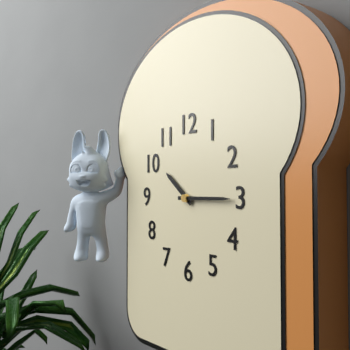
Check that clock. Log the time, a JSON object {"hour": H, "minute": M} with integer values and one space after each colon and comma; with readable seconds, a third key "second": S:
{"hour": 10, "minute": 15}
